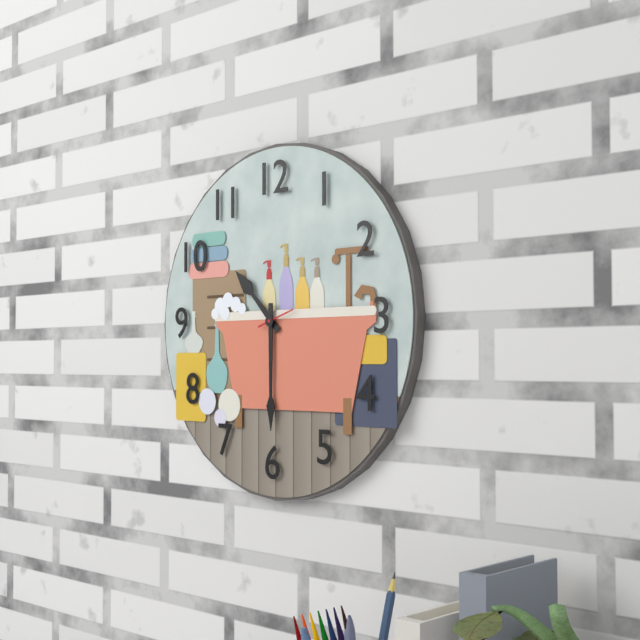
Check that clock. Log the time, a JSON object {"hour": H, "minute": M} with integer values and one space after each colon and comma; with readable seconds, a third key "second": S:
{"hour": 10, "minute": 30}
